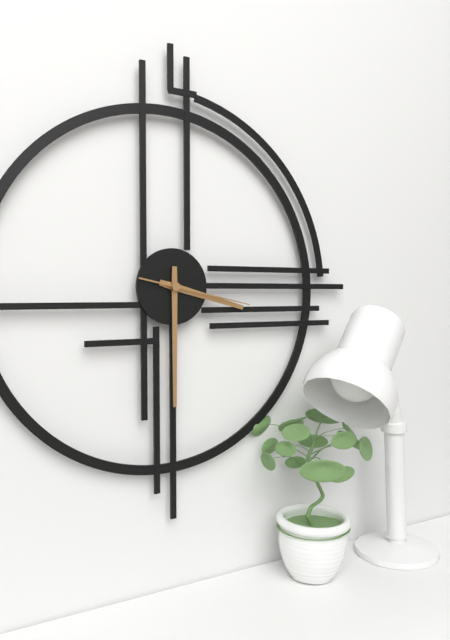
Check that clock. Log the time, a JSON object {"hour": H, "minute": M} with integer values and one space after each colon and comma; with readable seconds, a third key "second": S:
{"hour": 3, "minute": 30, "second": 17}
